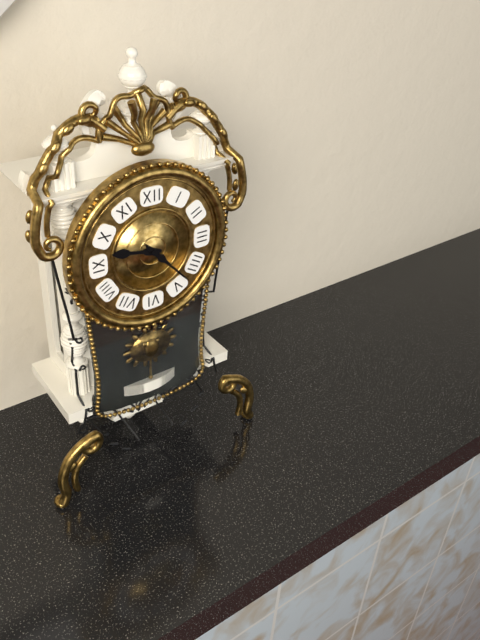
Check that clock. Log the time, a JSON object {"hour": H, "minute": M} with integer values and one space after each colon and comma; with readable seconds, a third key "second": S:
{"hour": 9, "minute": 23}
